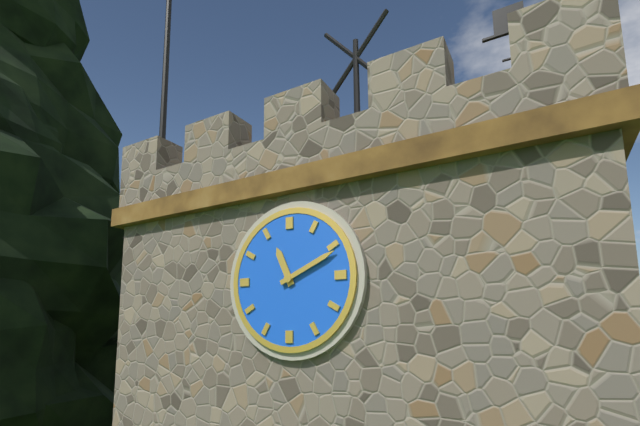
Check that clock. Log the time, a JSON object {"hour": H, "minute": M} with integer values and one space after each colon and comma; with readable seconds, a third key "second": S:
{"hour": 11, "minute": 11}
